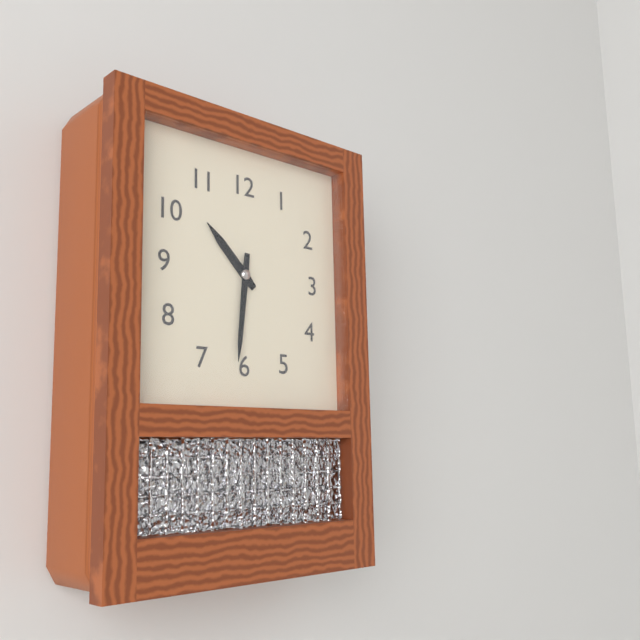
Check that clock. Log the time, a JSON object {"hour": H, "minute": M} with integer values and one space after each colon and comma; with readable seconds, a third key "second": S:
{"hour": 10, "minute": 31}
